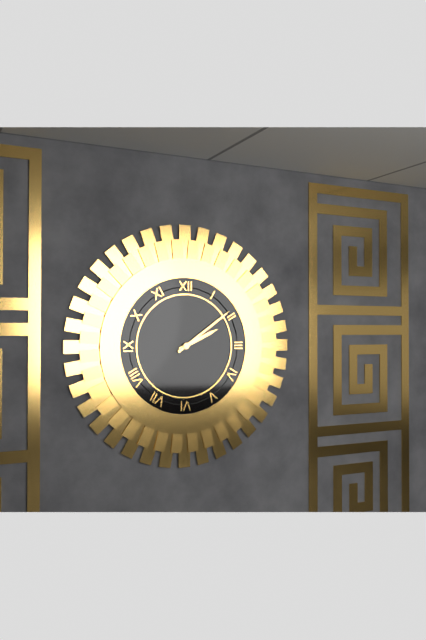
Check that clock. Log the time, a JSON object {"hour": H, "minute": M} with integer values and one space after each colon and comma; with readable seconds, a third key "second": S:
{"hour": 2, "minute": 9}
